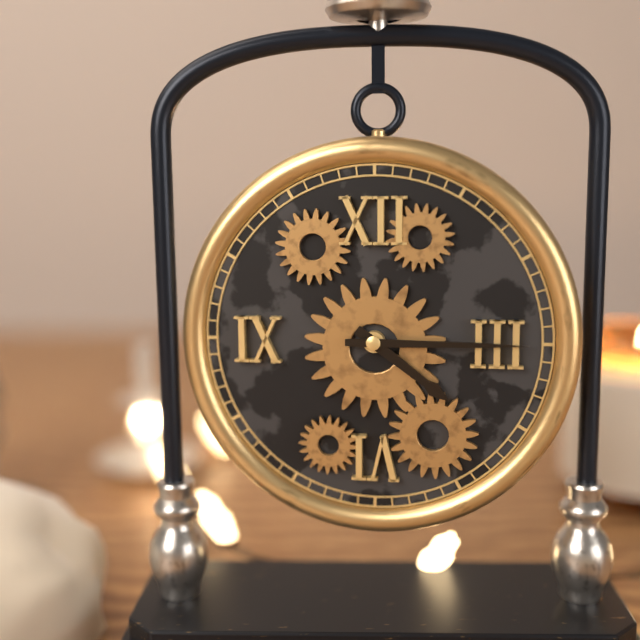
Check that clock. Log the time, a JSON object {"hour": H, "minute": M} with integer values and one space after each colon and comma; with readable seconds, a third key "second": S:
{"hour": 4, "minute": 15}
